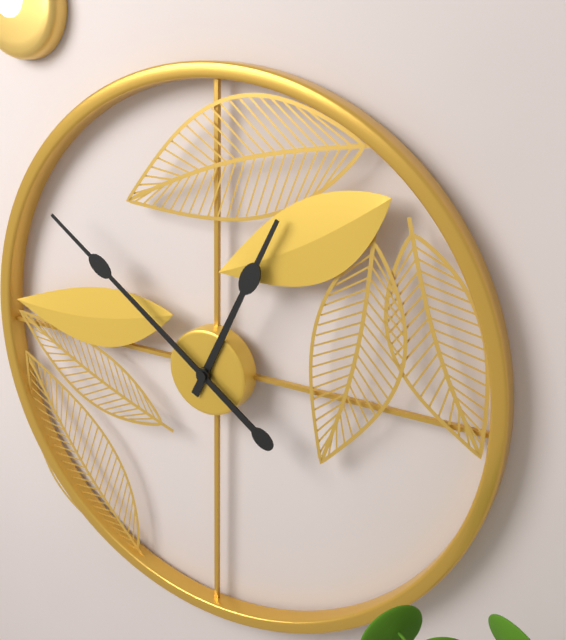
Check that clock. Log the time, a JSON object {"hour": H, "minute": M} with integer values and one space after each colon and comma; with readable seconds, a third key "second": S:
{"hour": 12, "minute": 51}
